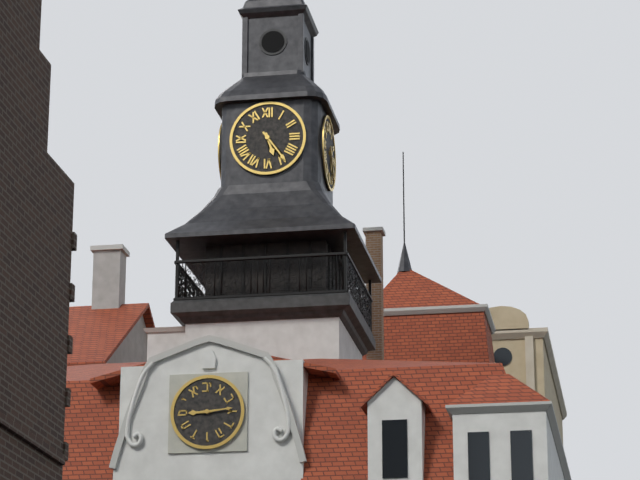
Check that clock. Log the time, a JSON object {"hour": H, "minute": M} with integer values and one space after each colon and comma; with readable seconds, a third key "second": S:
{"hour": 5, "minute": 24}
